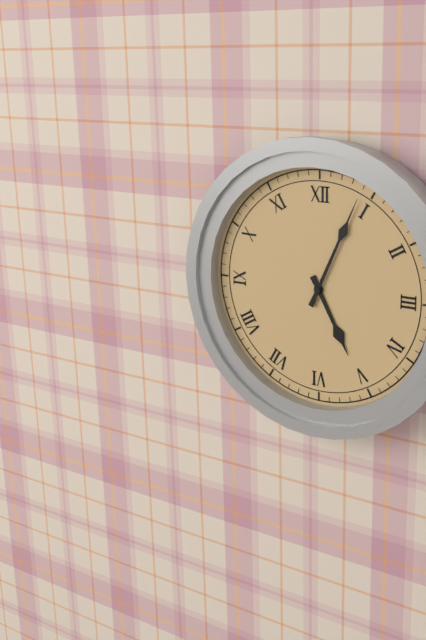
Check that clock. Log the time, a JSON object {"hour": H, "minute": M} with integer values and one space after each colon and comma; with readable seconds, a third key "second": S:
{"hour": 5, "minute": 4}
